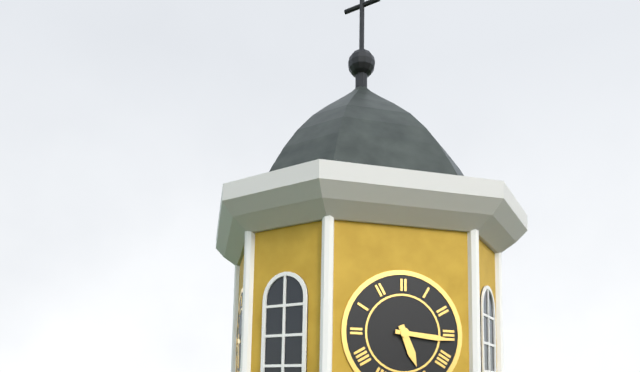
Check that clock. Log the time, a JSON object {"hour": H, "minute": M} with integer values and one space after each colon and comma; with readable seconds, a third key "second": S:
{"hour": 5, "minute": 16}
